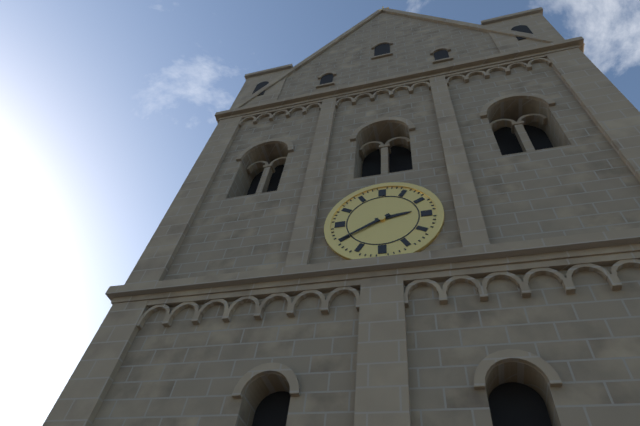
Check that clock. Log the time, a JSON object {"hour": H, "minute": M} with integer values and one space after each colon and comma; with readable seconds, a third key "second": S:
{"hour": 2, "minute": 40}
